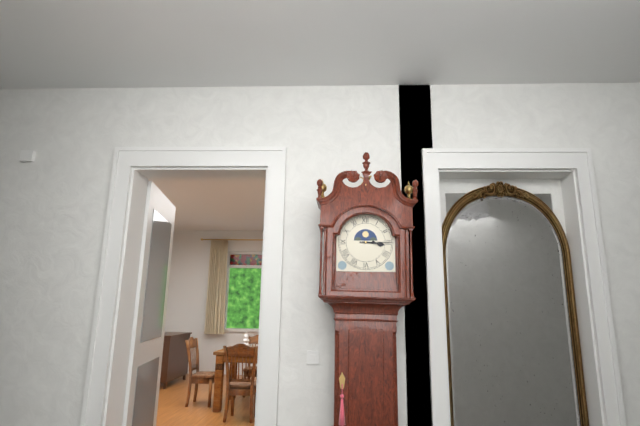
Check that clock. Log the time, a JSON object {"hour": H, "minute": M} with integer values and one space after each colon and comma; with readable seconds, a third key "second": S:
{"hour": 3, "minute": 15}
